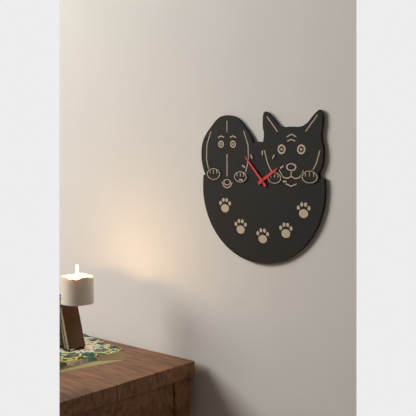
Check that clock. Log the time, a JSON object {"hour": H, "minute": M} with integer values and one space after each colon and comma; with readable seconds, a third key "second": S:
{"hour": 1, "minute": 53}
